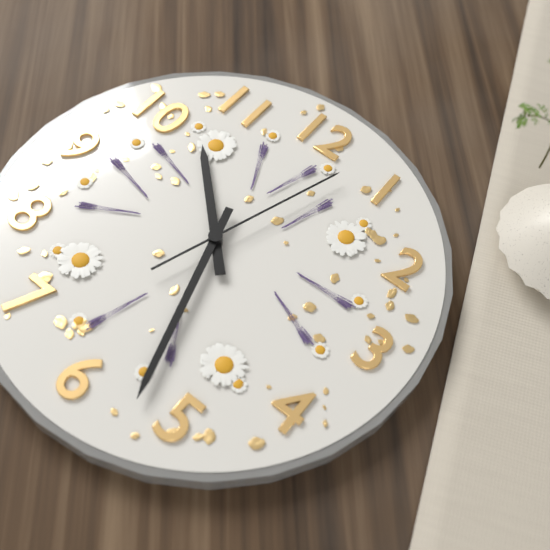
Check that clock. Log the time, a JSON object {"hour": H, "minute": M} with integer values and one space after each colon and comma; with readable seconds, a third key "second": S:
{"hour": 10, "minute": 27, "second": 3}
